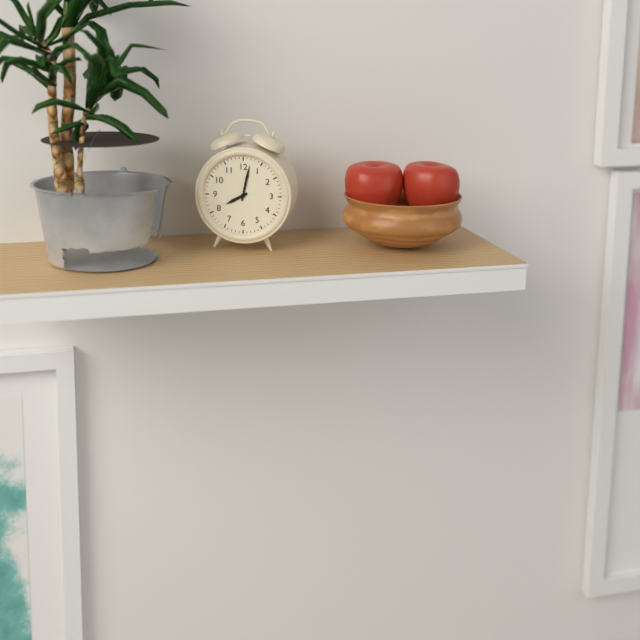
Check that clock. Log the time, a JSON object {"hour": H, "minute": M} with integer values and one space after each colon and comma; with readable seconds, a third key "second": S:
{"hour": 8, "minute": 2}
